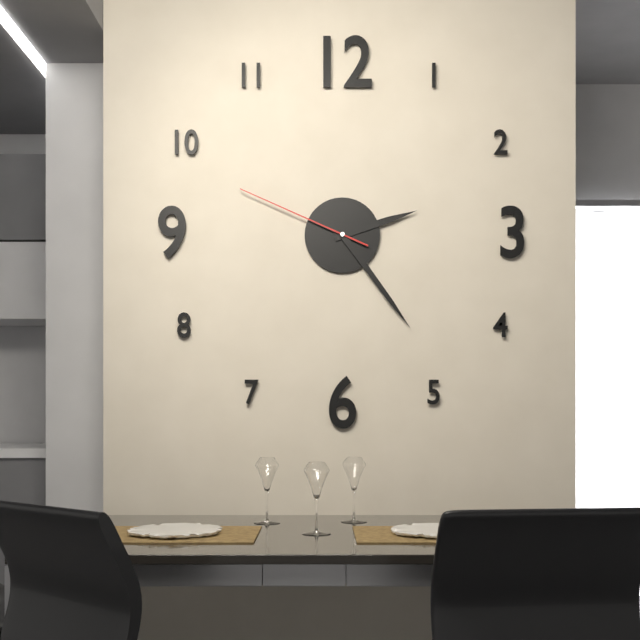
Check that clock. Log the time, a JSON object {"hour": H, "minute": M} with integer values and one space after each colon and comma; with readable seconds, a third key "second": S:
{"hour": 2, "minute": 24, "second": 49}
